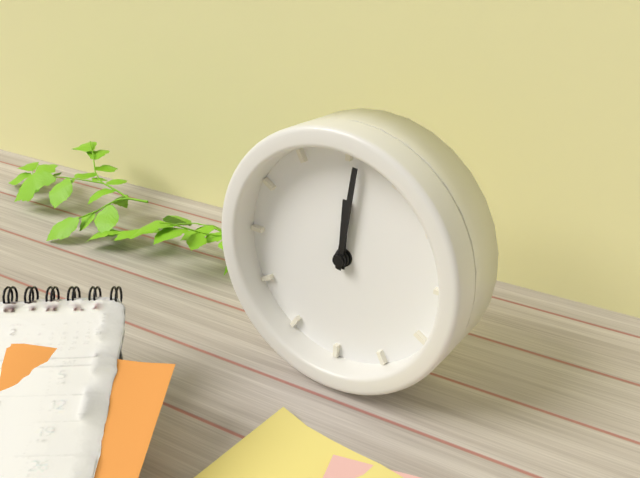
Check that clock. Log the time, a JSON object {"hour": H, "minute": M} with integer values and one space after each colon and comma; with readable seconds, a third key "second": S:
{"hour": 12, "minute": 1}
